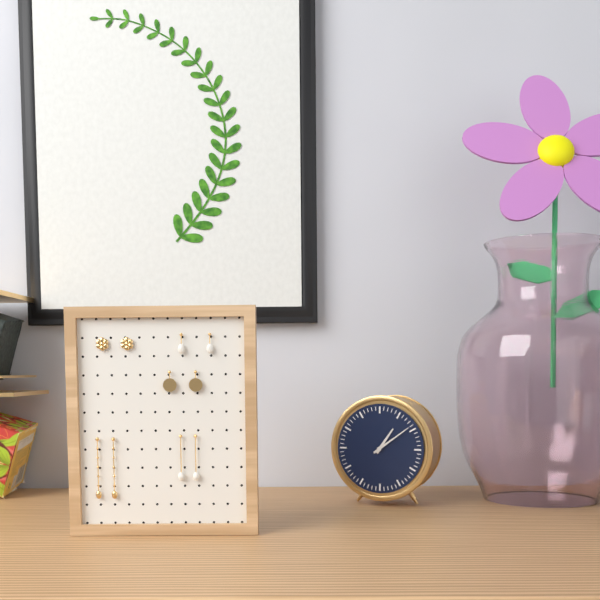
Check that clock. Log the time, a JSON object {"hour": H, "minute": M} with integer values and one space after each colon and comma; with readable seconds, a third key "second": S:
{"hour": 1, "minute": 9}
